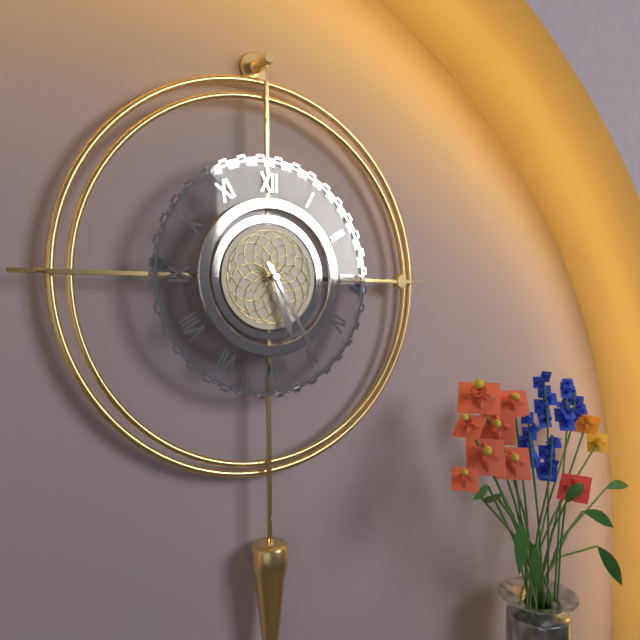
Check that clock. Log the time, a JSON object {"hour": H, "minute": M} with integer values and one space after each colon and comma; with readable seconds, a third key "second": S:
{"hour": 5, "minute": 25}
